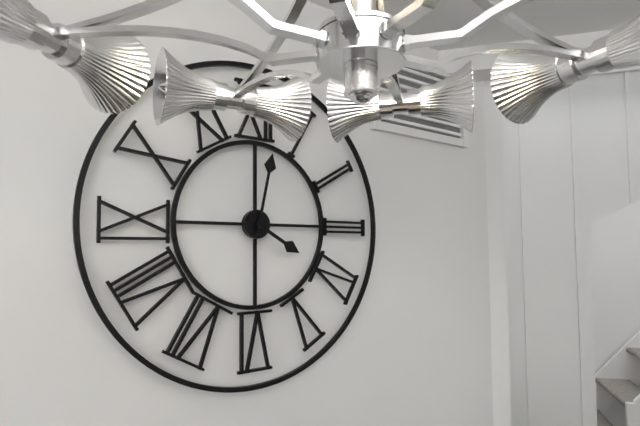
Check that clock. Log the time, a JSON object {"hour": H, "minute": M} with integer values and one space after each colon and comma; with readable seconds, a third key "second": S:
{"hour": 4, "minute": 2}
